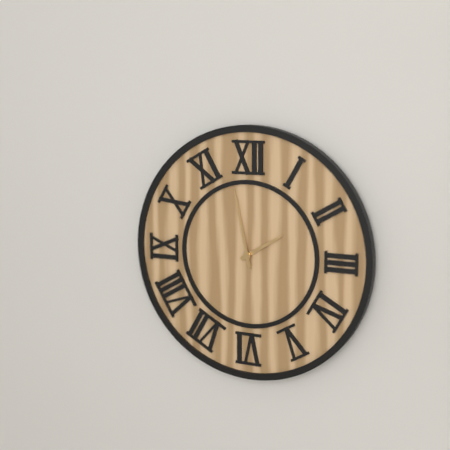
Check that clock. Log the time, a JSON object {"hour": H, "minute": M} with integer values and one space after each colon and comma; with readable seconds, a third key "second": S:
{"hour": 1, "minute": 58}
